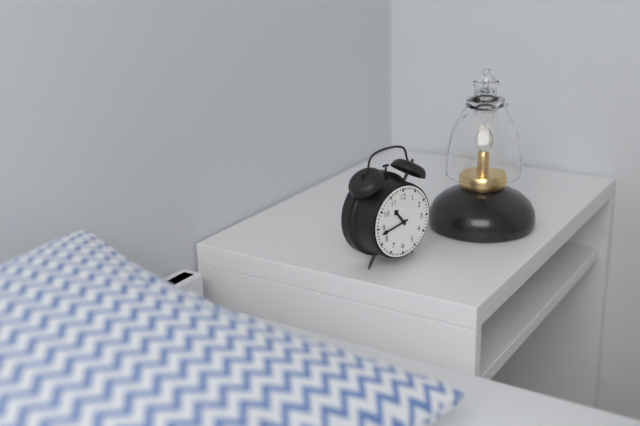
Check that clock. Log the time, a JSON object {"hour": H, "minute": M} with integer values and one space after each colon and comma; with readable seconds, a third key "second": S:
{"hour": 10, "minute": 43}
